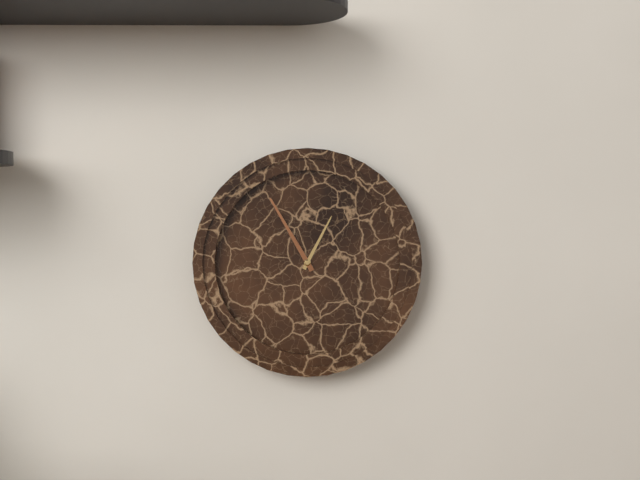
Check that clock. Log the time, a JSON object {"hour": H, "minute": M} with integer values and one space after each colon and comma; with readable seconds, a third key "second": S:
{"hour": 12, "minute": 55}
